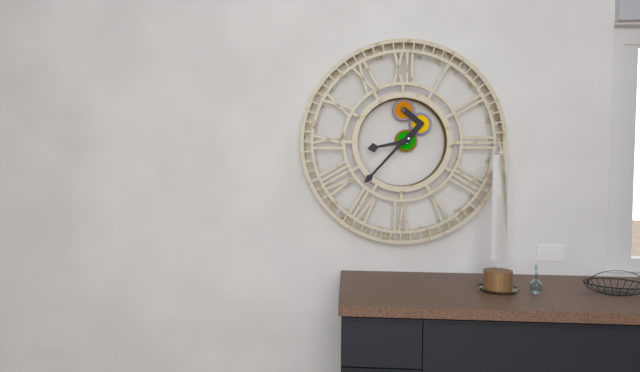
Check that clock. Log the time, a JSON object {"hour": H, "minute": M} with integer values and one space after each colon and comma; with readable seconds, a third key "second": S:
{"hour": 8, "minute": 37}
